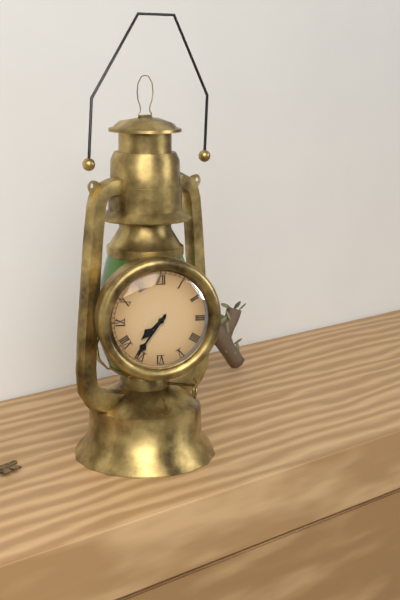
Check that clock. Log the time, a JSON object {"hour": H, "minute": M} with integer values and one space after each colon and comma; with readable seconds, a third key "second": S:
{"hour": 7, "minute": 36}
